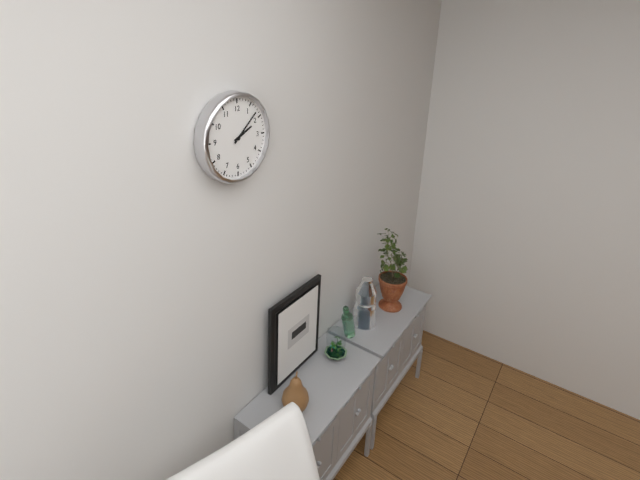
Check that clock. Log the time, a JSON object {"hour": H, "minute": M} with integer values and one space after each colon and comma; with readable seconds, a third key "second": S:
{"hour": 2, "minute": 8}
